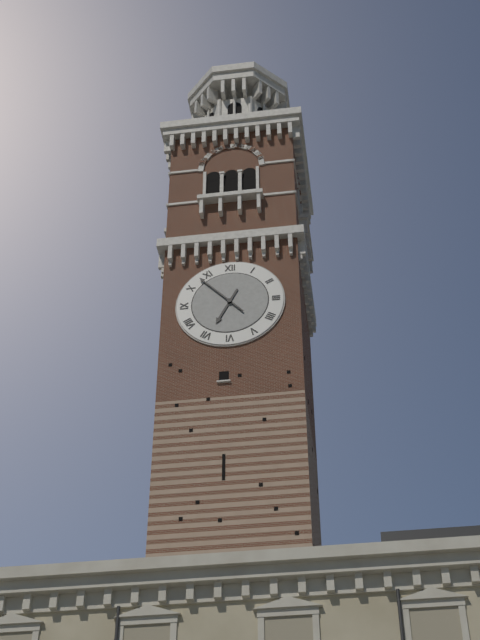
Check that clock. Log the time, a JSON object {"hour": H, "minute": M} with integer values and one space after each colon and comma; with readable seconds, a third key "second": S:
{"hour": 6, "minute": 53}
